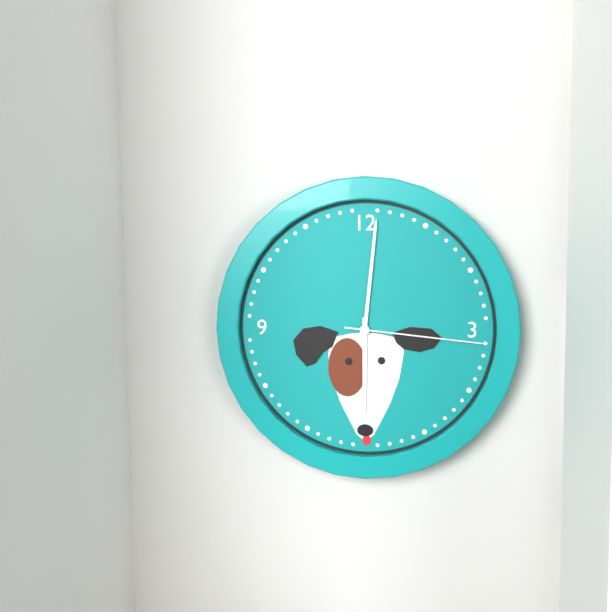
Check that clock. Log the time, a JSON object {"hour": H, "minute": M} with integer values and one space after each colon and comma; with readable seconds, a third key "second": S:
{"hour": 6, "minute": 1, "second": 16}
